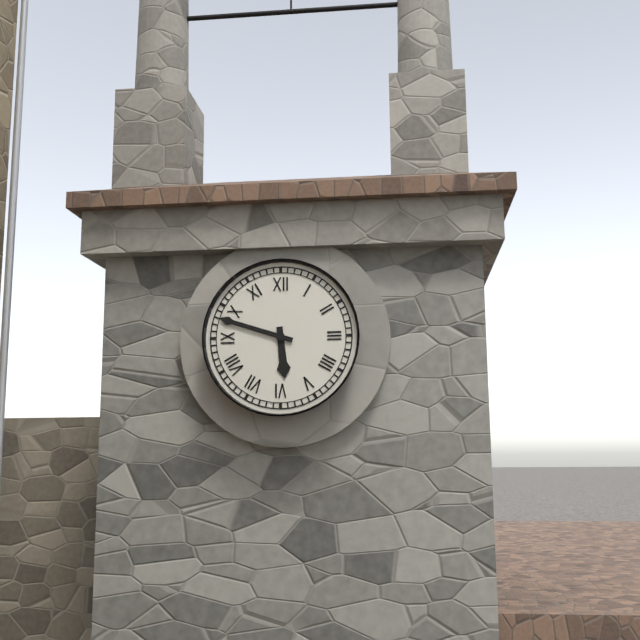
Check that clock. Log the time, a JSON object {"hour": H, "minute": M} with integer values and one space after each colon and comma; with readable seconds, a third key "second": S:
{"hour": 5, "minute": 48}
